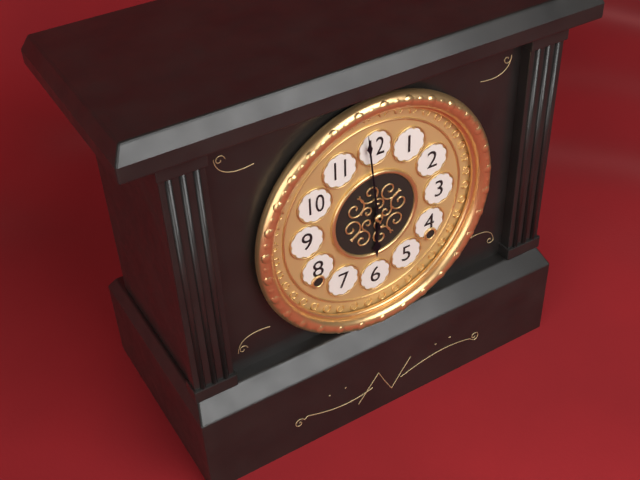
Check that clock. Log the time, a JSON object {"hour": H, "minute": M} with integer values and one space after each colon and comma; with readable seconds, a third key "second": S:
{"hour": 5, "minute": 59}
